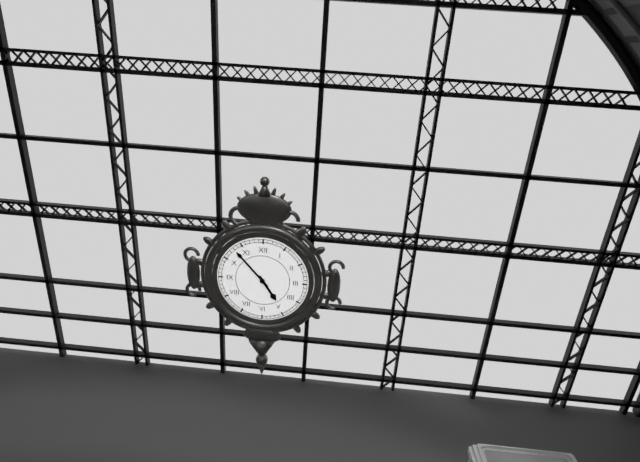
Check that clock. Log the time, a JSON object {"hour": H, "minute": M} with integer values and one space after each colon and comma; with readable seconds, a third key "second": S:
{"hour": 4, "minute": 53}
